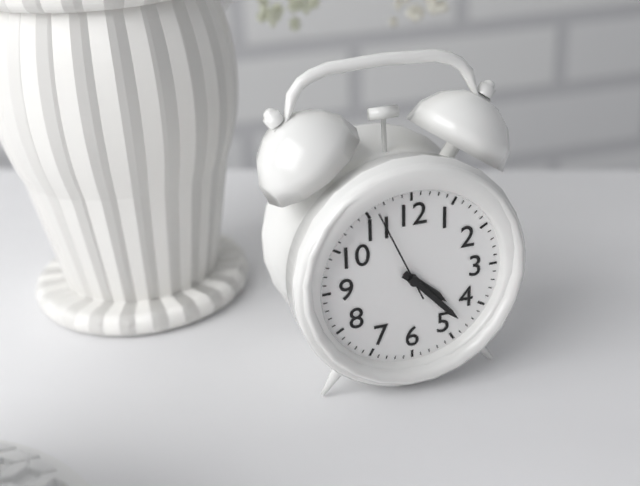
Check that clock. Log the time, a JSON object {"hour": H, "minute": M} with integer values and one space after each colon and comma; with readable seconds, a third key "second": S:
{"hour": 4, "minute": 23, "second": 56}
